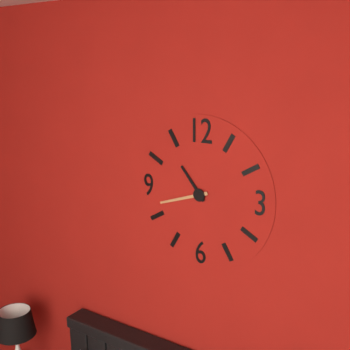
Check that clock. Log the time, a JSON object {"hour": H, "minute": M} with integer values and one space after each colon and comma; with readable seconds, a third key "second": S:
{"hour": 10, "minute": 42}
